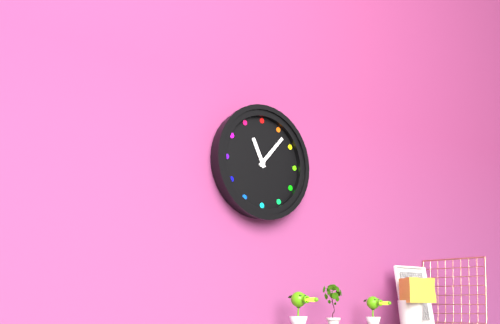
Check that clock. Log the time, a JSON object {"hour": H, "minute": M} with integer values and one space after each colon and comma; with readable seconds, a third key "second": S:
{"hour": 11, "minute": 7}
